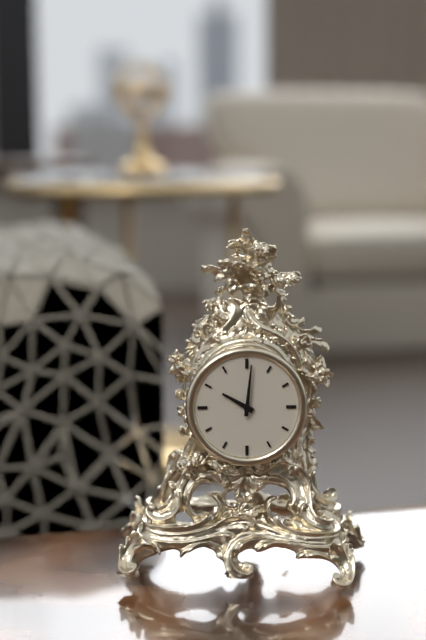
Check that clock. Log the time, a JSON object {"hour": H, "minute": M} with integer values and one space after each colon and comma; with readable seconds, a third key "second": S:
{"hour": 10, "minute": 1}
